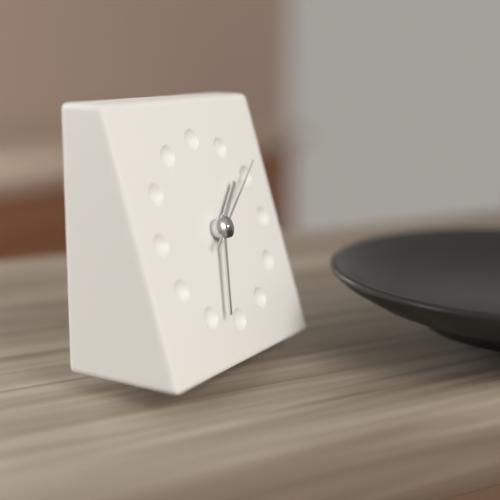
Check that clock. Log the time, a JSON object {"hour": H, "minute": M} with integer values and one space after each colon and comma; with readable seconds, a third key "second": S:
{"hour": 1, "minute": 33, "second": 9}
